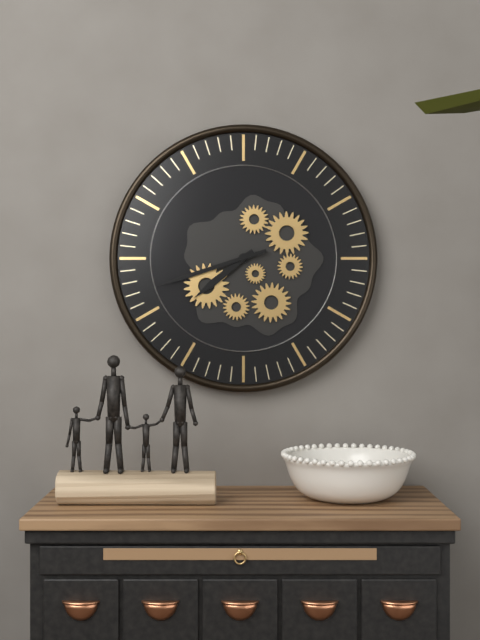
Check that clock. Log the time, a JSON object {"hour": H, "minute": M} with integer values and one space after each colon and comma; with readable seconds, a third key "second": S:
{"hour": 7, "minute": 42}
